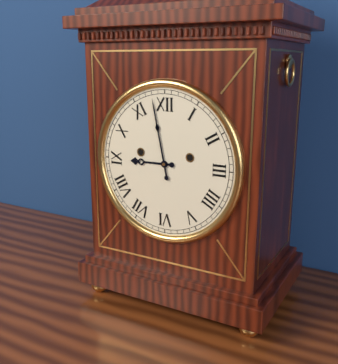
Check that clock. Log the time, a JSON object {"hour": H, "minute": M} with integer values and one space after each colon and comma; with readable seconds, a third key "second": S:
{"hour": 8, "minute": 58}
